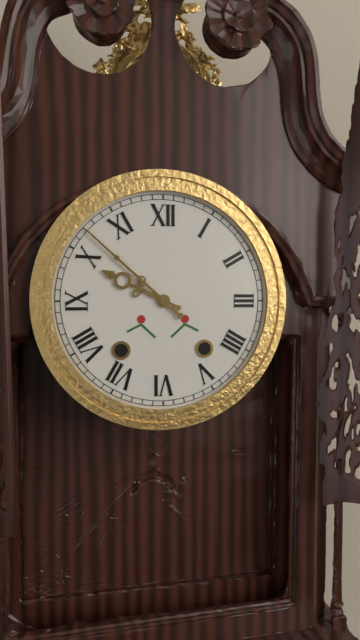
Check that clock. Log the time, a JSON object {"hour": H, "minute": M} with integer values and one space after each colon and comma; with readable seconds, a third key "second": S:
{"hour": 9, "minute": 52}
